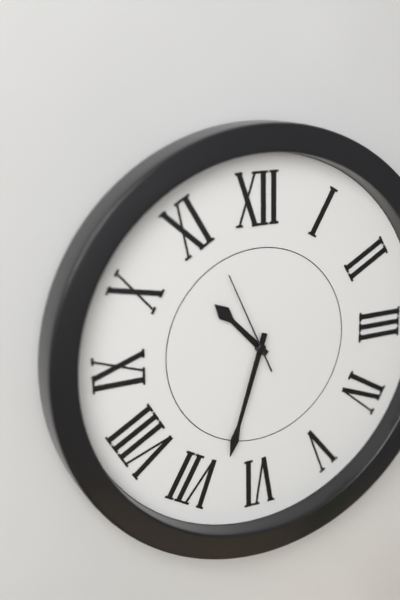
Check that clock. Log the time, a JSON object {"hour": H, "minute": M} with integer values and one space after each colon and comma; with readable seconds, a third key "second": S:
{"hour": 10, "minute": 33, "second": 56}
